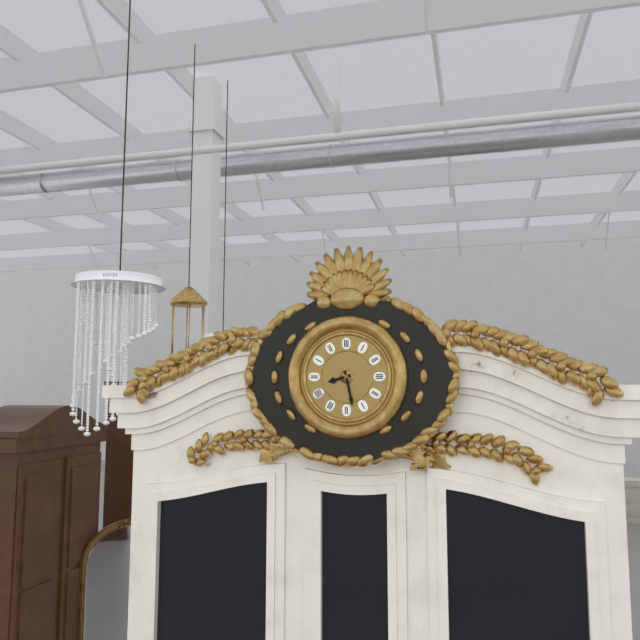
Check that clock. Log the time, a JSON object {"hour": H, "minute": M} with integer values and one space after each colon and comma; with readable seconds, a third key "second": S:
{"hour": 8, "minute": 28}
